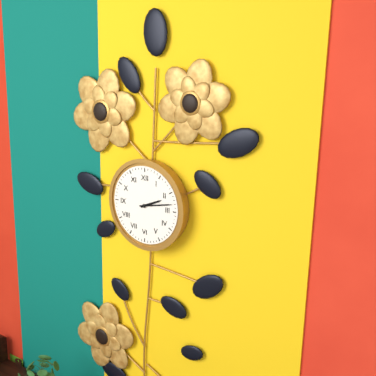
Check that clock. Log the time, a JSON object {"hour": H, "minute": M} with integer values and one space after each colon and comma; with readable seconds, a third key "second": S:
{"hour": 2, "minute": 13}
